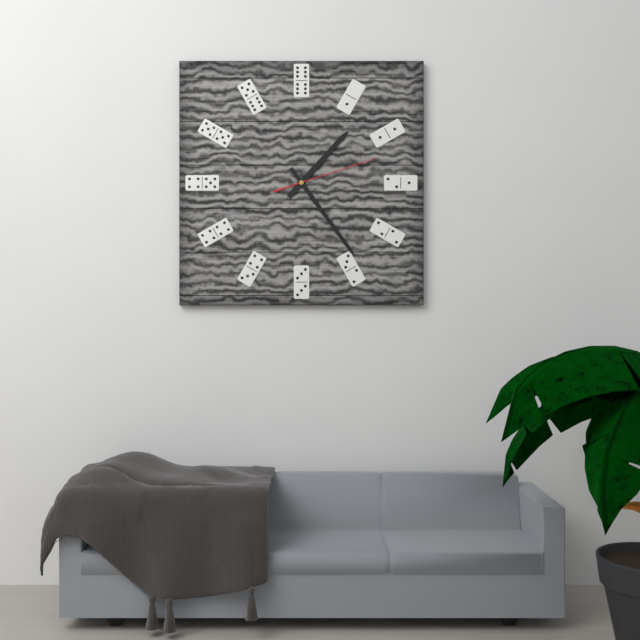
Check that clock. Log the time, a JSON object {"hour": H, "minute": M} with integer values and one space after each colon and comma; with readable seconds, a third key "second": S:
{"hour": 1, "minute": 24, "second": 12}
